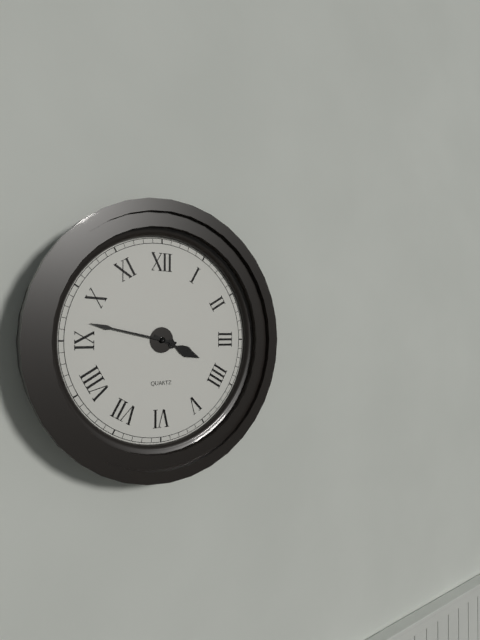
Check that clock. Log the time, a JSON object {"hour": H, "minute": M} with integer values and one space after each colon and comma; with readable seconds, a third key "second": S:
{"hour": 3, "minute": 47}
